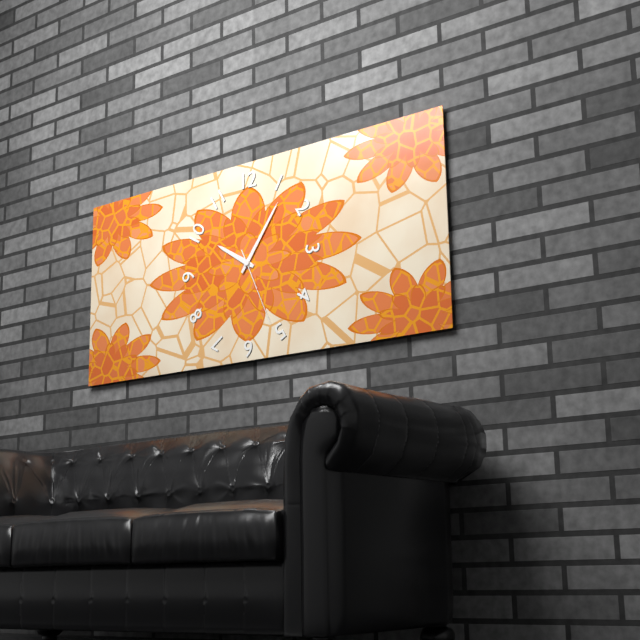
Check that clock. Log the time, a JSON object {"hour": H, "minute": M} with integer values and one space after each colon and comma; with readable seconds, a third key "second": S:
{"hour": 10, "minute": 6, "second": 26}
